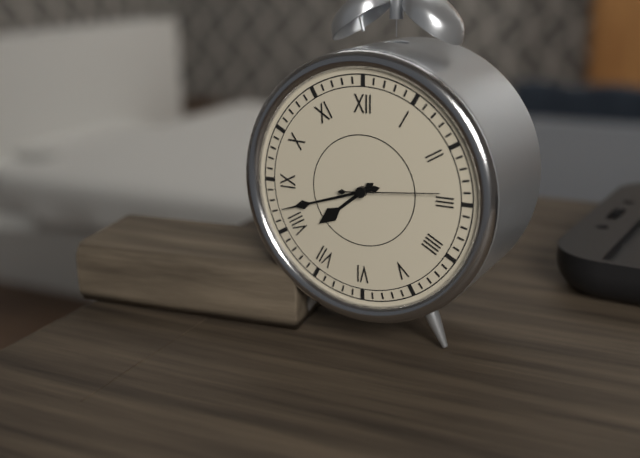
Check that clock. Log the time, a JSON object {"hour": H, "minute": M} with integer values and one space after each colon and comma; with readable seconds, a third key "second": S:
{"hour": 7, "minute": 42, "second": 14}
